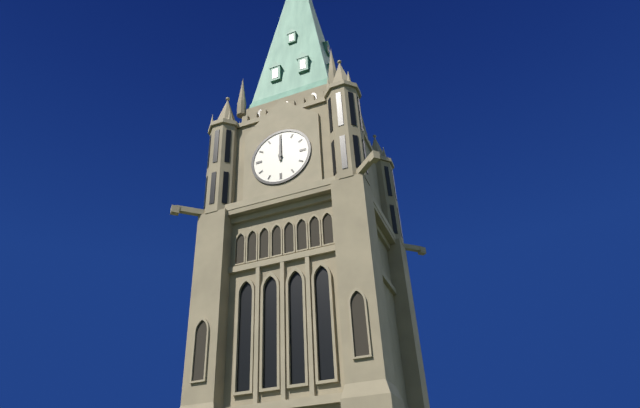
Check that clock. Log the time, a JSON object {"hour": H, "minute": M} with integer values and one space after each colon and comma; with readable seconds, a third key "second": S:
{"hour": 12, "minute": 0}
